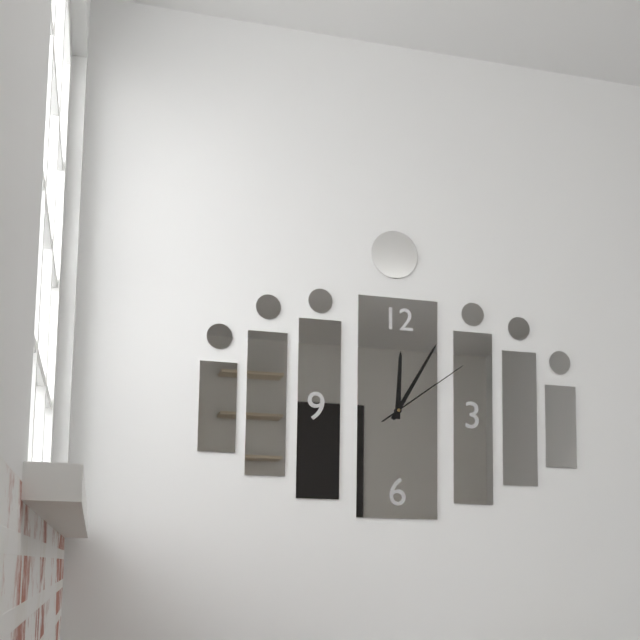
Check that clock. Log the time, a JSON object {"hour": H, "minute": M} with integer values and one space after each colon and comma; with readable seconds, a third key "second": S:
{"hour": 12, "minute": 5, "second": 9}
